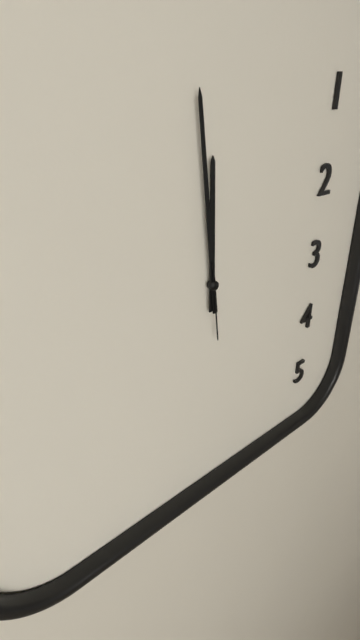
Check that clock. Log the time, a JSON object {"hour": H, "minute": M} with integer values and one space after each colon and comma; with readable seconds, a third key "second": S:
{"hour": 11, "minute": 59, "second": 29}
